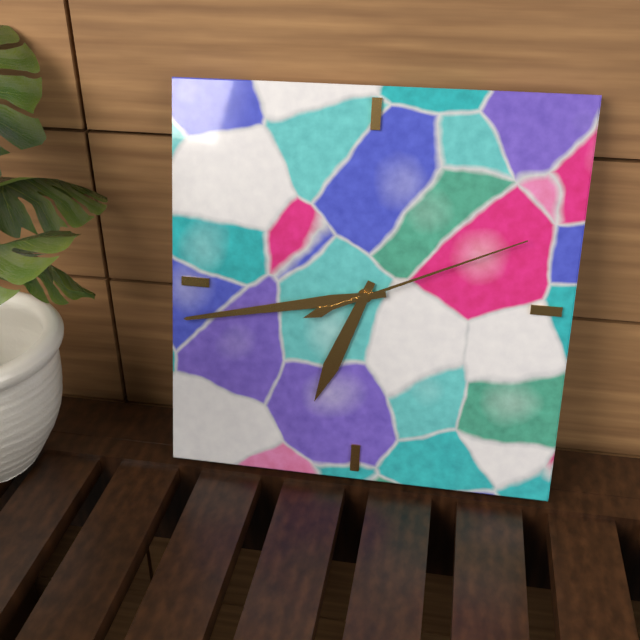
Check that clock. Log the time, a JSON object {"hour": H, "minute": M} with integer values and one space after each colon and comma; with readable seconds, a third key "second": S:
{"hour": 6, "minute": 43, "second": 11}
